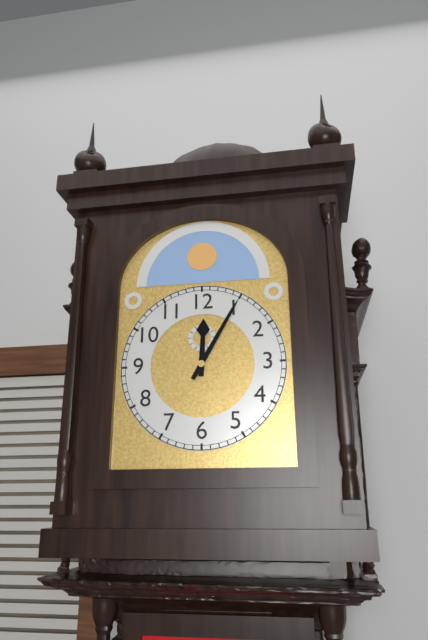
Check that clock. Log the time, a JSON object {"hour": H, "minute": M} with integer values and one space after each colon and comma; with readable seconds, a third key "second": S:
{"hour": 12, "minute": 5}
